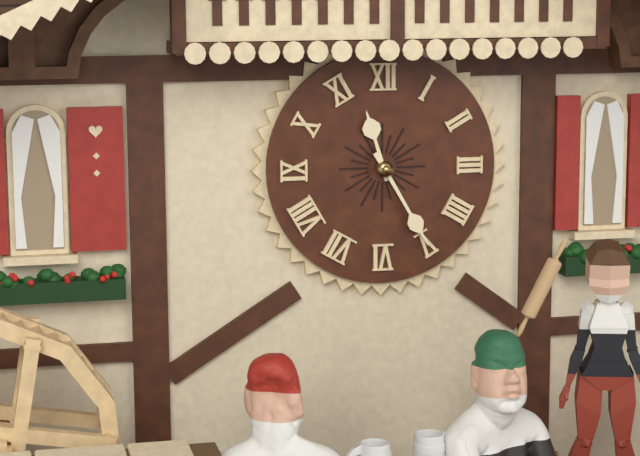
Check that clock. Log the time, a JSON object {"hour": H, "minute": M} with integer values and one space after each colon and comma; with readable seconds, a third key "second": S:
{"hour": 11, "minute": 25}
